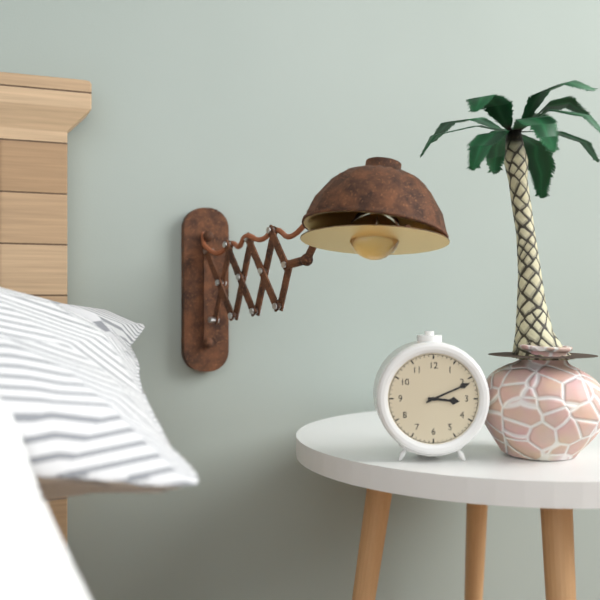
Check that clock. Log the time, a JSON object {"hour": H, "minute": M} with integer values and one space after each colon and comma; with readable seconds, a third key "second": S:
{"hour": 3, "minute": 11}
